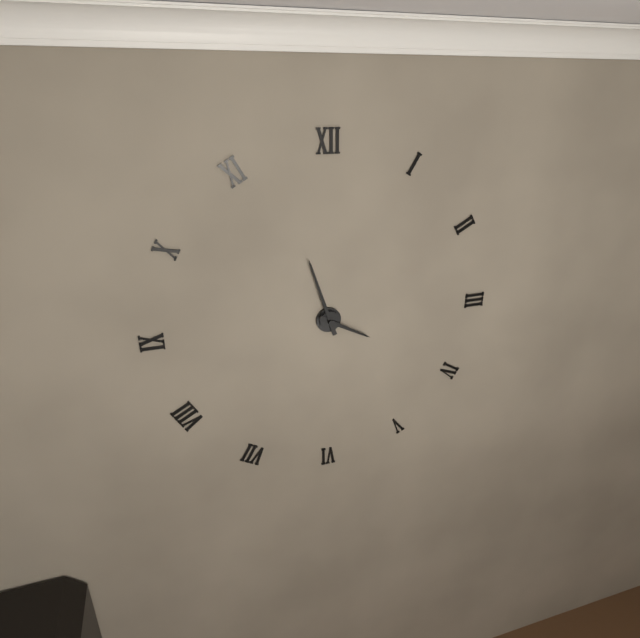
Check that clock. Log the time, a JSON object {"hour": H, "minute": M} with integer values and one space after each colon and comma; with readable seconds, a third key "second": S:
{"hour": 3, "minute": 57}
